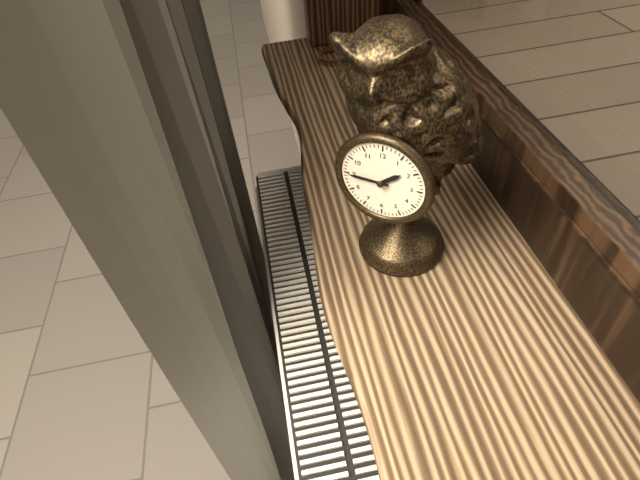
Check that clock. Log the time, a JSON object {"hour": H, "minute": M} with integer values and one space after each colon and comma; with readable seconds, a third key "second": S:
{"hour": 1, "minute": 45}
